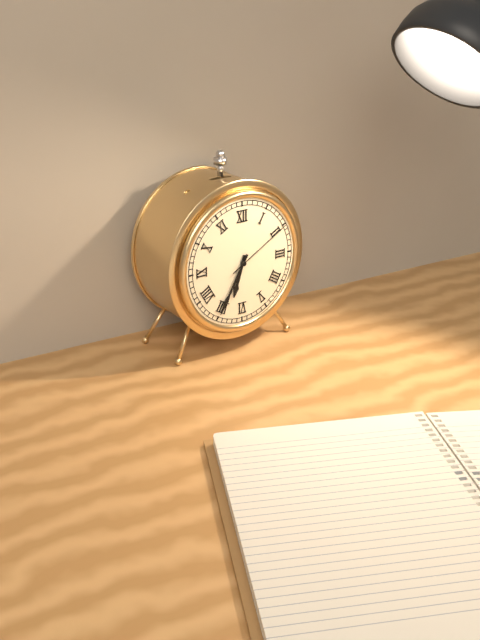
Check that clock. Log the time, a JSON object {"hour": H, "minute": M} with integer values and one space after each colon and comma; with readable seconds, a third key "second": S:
{"hour": 6, "minute": 35, "second": 10}
